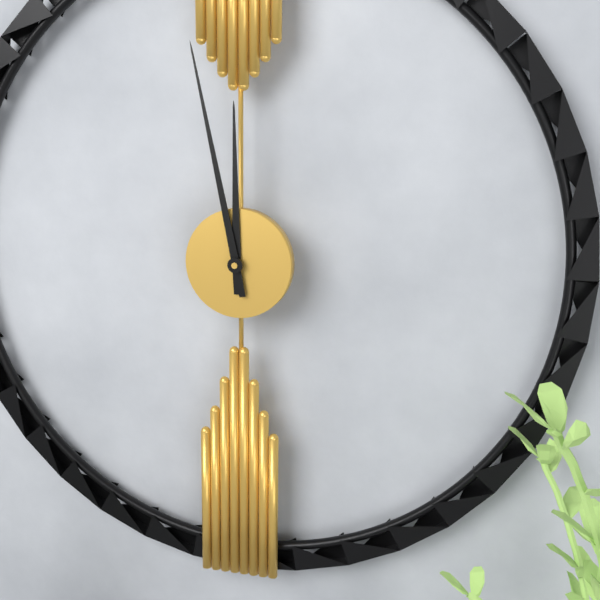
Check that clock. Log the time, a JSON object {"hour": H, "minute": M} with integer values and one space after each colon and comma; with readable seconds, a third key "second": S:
{"hour": 11, "minute": 58}
